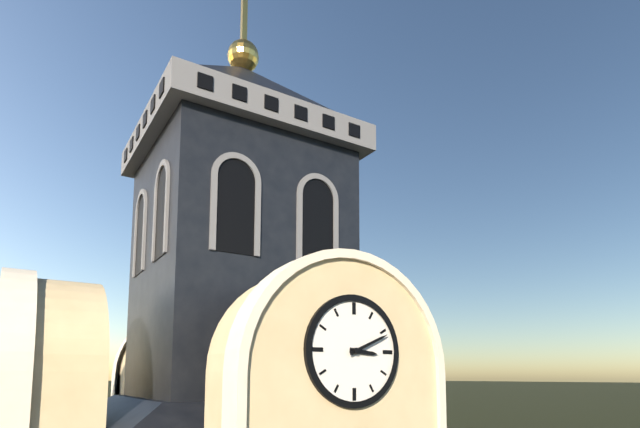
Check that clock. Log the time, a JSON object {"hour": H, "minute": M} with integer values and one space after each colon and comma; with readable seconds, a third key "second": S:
{"hour": 3, "minute": 11}
